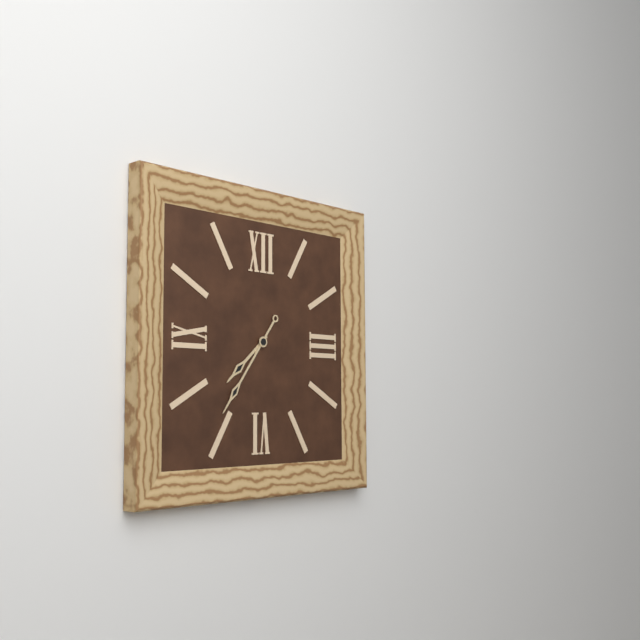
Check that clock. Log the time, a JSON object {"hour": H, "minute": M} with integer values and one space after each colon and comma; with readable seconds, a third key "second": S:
{"hour": 7, "minute": 36}
